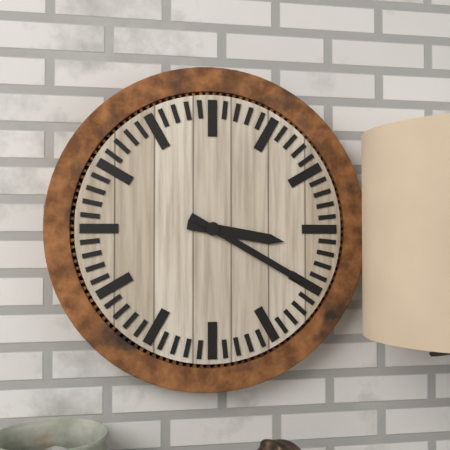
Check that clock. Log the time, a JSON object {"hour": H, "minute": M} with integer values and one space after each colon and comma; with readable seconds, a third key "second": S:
{"hour": 3, "minute": 20}
